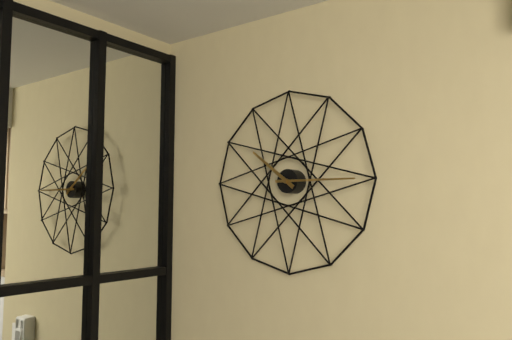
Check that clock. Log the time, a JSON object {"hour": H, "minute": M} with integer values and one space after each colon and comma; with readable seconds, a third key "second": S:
{"hour": 10, "minute": 15}
